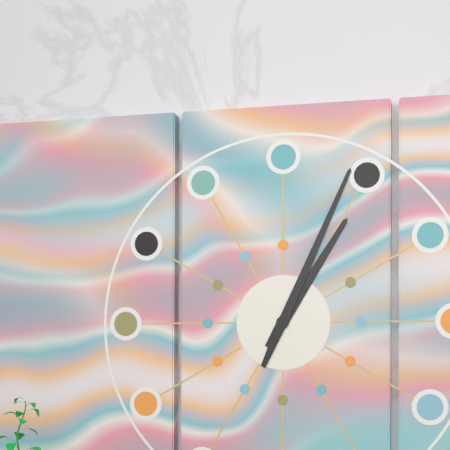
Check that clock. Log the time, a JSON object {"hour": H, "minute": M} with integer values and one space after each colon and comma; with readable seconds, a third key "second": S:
{"hour": 1, "minute": 4}
